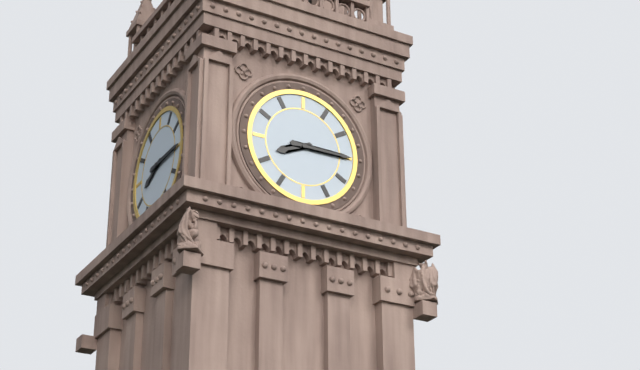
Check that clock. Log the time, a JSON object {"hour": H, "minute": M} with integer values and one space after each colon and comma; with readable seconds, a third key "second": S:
{"hour": 8, "minute": 15}
